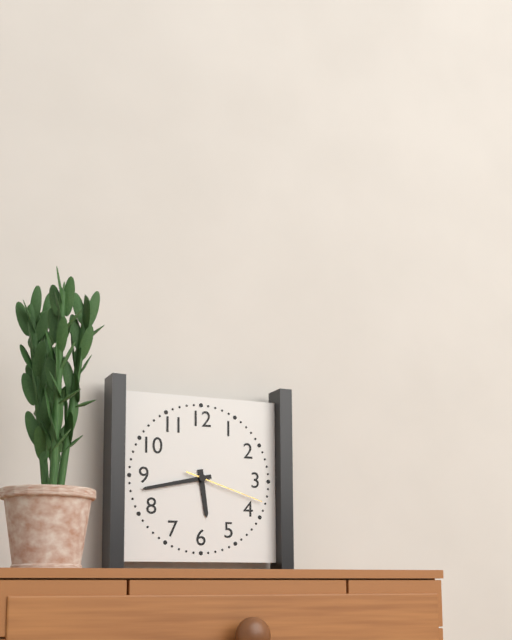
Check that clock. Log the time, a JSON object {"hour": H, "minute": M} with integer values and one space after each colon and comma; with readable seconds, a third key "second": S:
{"hour": 5, "minute": 43, "second": 18}
